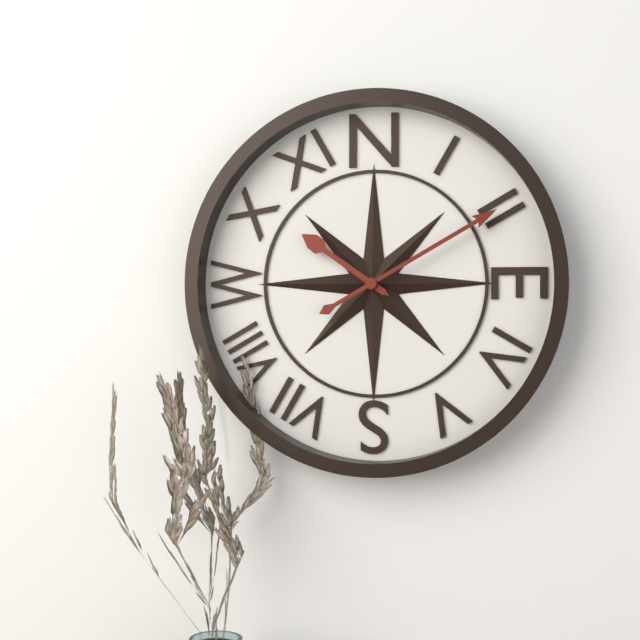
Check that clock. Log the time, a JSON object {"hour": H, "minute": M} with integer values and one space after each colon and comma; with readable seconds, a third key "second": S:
{"hour": 10, "minute": 10}
